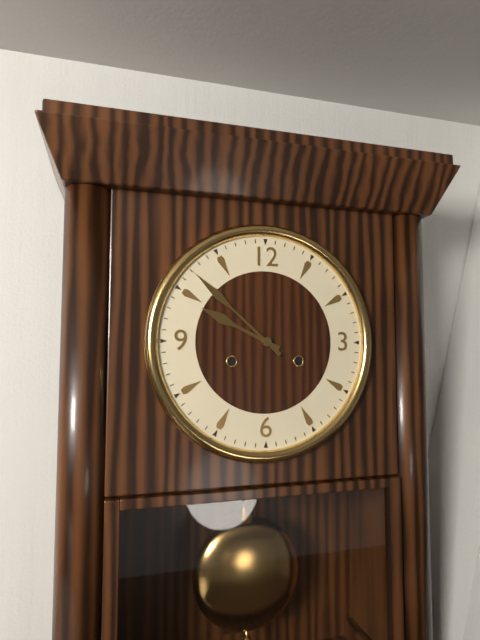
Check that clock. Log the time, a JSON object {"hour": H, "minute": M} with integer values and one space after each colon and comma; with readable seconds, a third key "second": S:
{"hour": 9, "minute": 52}
